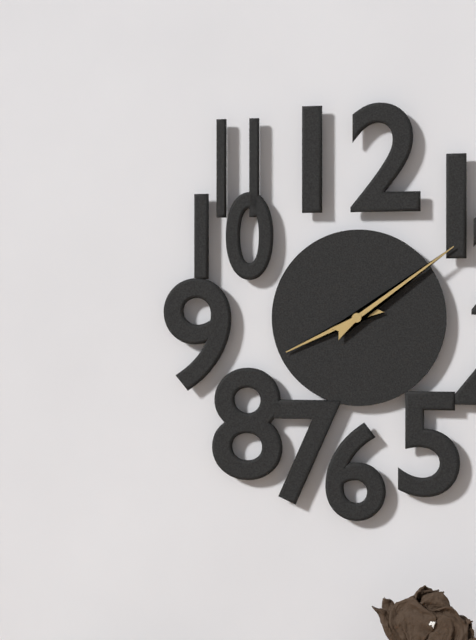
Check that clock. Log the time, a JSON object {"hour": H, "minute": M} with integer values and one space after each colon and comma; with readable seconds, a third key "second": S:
{"hour": 8, "minute": 9}
